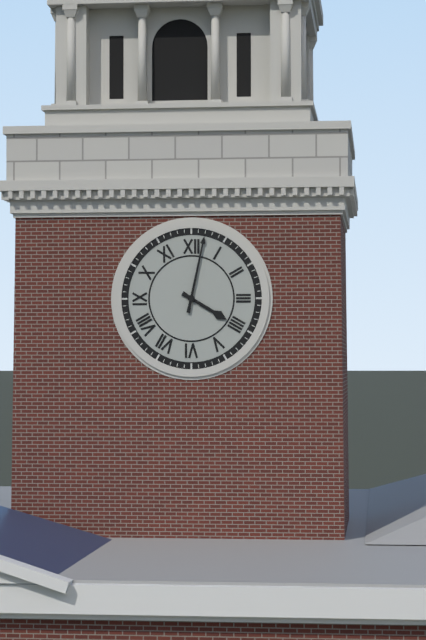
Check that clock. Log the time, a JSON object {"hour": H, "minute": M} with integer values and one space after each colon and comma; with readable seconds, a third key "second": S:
{"hour": 4, "minute": 2}
